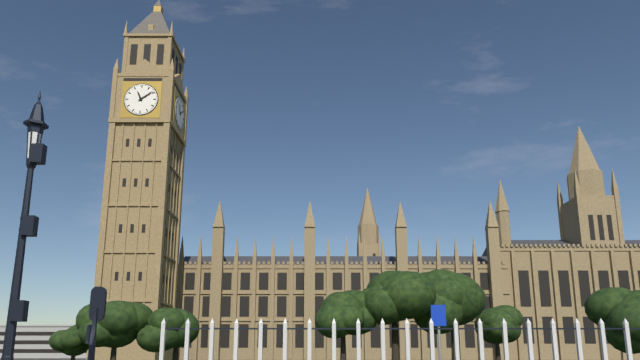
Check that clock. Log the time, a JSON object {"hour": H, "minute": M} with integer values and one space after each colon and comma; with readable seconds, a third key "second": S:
{"hour": 11, "minute": 9}
